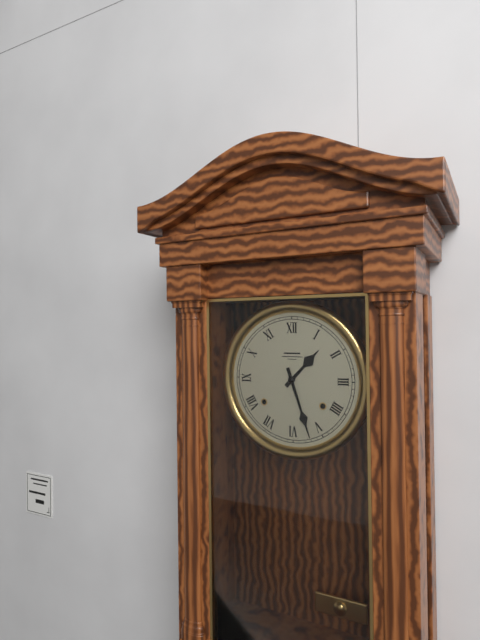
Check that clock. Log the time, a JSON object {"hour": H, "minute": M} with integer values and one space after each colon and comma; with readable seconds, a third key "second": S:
{"hour": 1, "minute": 27}
